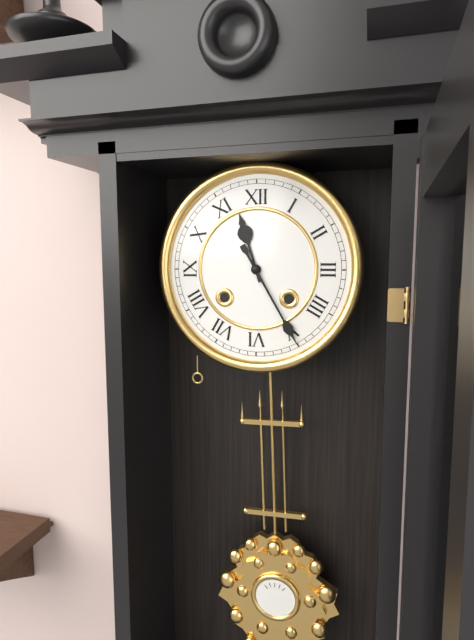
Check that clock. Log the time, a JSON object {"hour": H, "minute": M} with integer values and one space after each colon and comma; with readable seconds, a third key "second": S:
{"hour": 11, "minute": 25}
